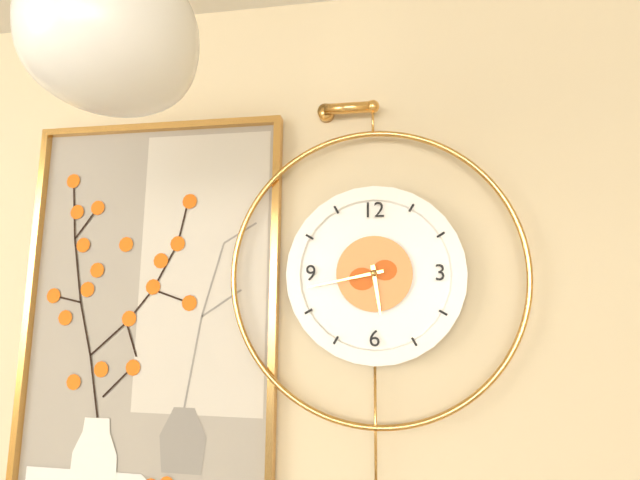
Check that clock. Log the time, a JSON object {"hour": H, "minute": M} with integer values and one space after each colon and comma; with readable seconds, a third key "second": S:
{"hour": 5, "minute": 43}
